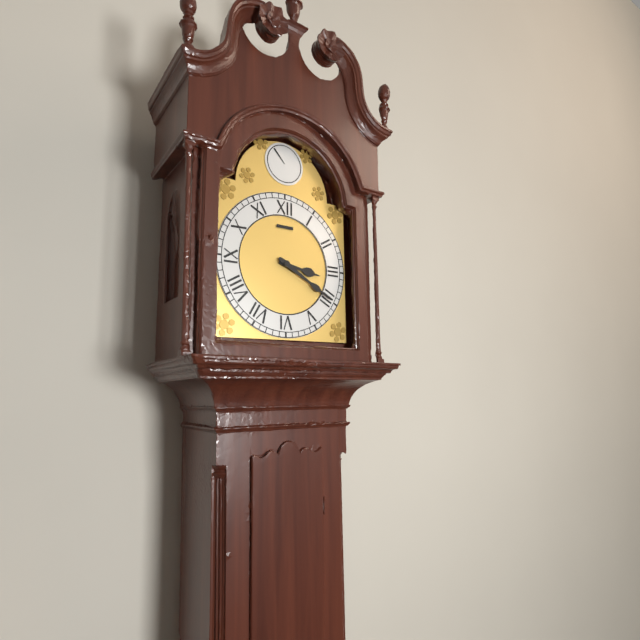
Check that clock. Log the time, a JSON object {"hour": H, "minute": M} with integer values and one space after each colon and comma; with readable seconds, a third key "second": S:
{"hour": 3, "minute": 20}
